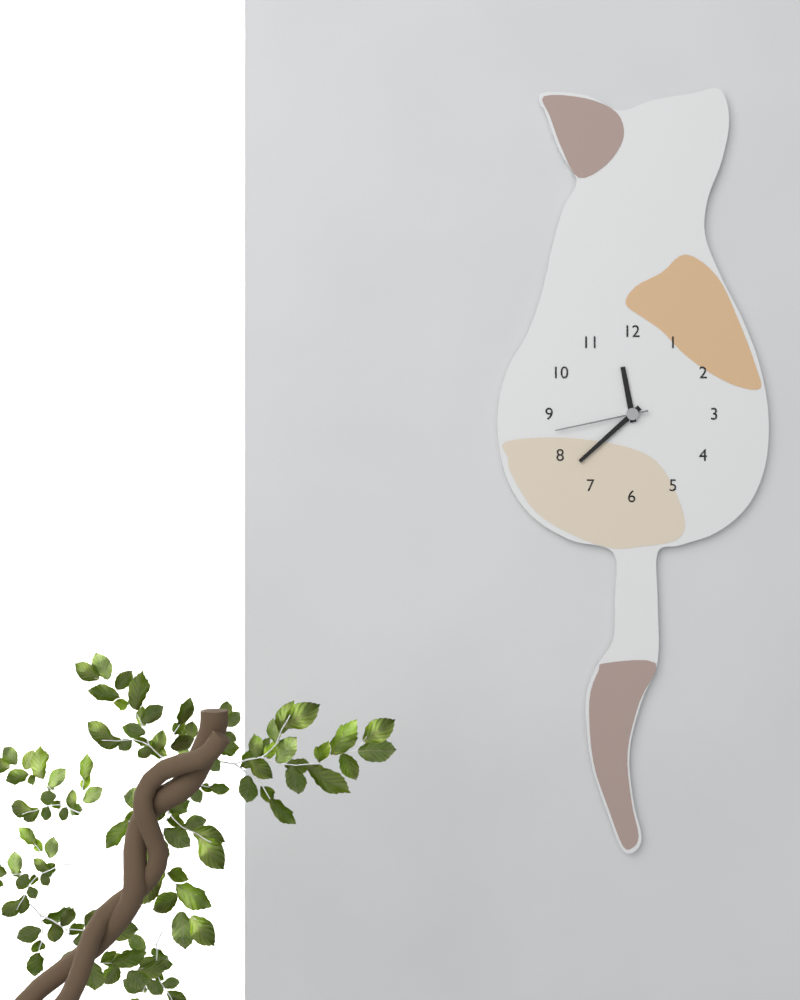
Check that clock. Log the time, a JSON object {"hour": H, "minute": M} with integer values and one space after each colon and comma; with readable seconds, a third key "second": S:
{"hour": 11, "minute": 38, "second": 43}
